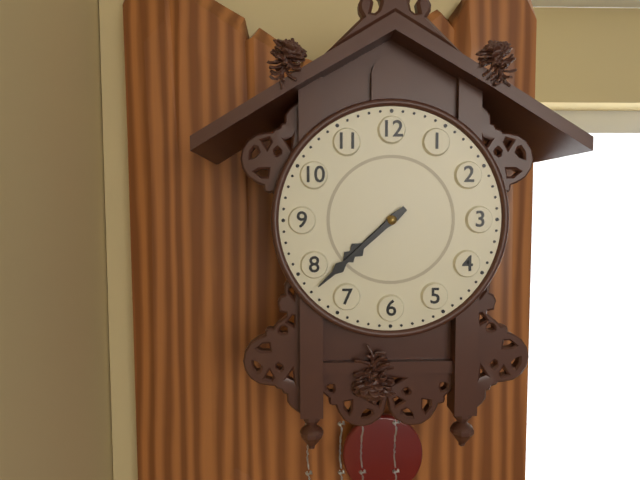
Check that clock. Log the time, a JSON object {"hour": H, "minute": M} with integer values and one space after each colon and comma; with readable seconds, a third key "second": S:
{"hour": 7, "minute": 38}
